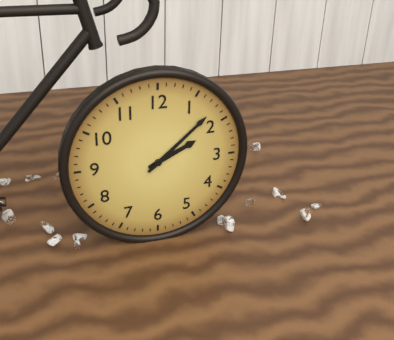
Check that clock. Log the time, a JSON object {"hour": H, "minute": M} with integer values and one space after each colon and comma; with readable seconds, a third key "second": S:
{"hour": 2, "minute": 8}
